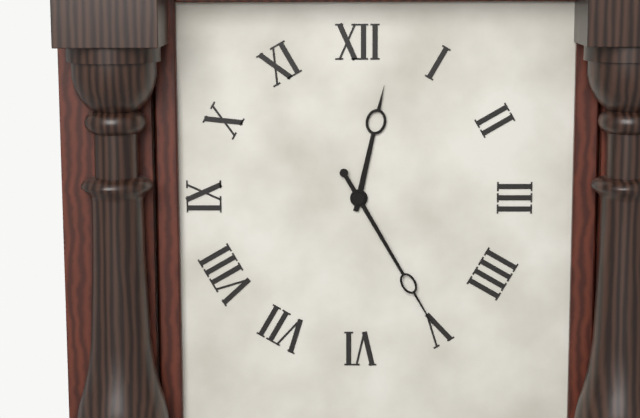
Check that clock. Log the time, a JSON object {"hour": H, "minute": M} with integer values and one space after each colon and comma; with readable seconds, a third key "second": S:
{"hour": 12, "minute": 25}
